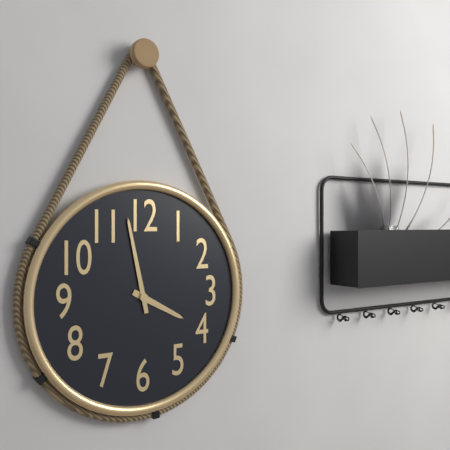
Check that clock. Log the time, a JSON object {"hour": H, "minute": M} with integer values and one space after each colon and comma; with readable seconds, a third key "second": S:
{"hour": 3, "minute": 58}
